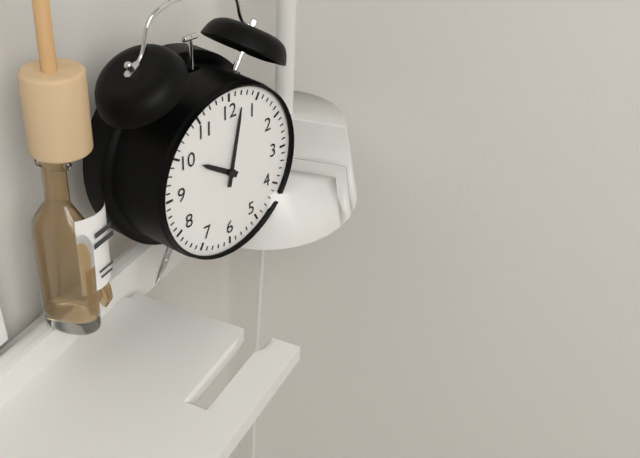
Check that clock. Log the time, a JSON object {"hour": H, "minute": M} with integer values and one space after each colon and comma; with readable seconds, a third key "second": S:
{"hour": 10, "minute": 2}
